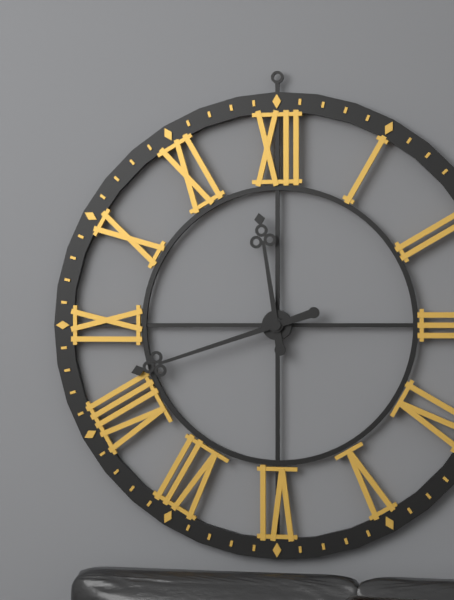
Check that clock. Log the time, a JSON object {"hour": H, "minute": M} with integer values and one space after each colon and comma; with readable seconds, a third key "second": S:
{"hour": 11, "minute": 42}
